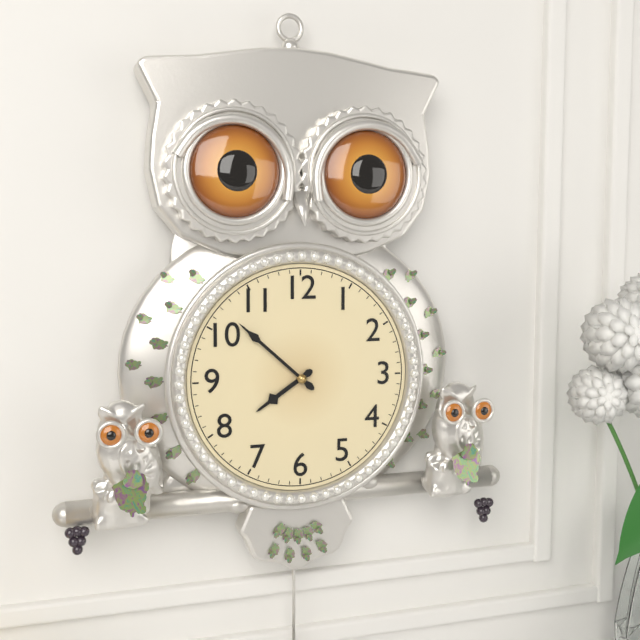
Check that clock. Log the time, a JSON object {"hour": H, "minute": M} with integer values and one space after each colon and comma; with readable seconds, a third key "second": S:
{"hour": 7, "minute": 52}
